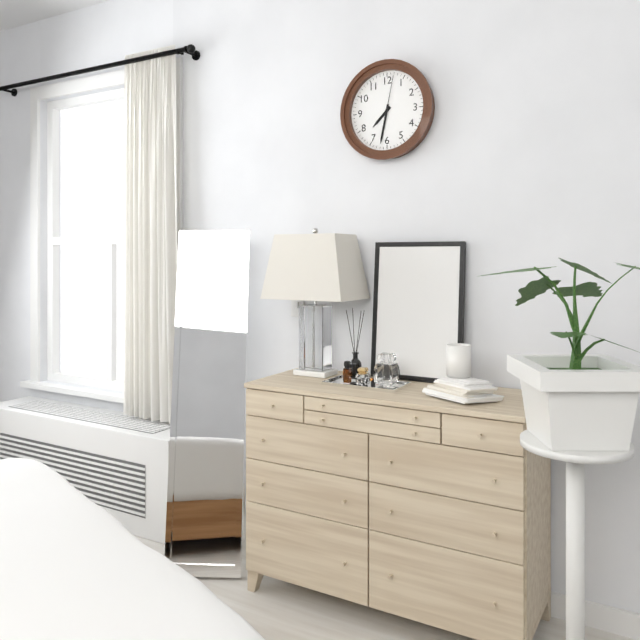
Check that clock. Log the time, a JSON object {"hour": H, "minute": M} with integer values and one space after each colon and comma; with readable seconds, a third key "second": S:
{"hour": 7, "minute": 32}
